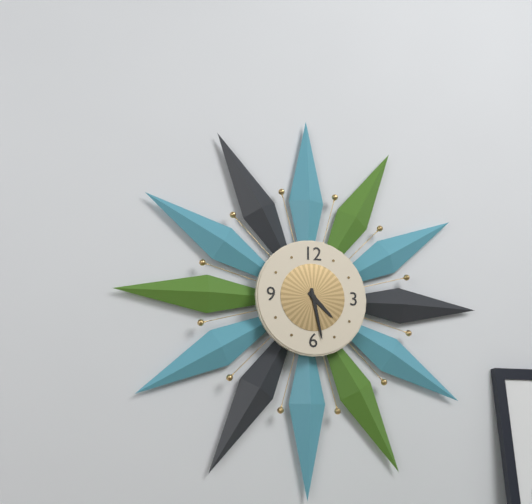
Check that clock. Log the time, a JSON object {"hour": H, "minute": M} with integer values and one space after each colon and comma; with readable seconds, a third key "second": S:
{"hour": 4, "minute": 28}
